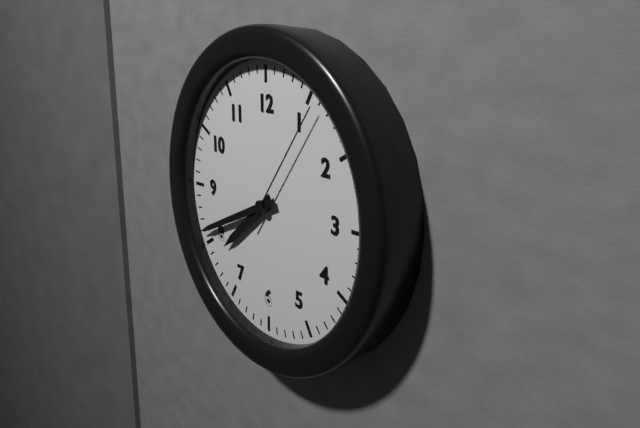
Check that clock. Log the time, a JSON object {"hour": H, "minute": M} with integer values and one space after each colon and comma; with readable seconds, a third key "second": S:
{"hour": 7, "minute": 41, "second": 6}
